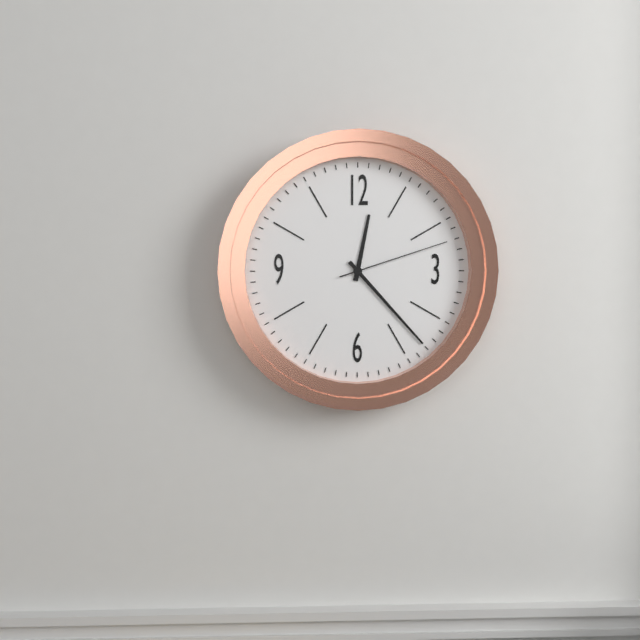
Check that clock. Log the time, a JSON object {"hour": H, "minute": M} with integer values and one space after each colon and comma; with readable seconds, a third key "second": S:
{"hour": 12, "minute": 23, "second": 12}
